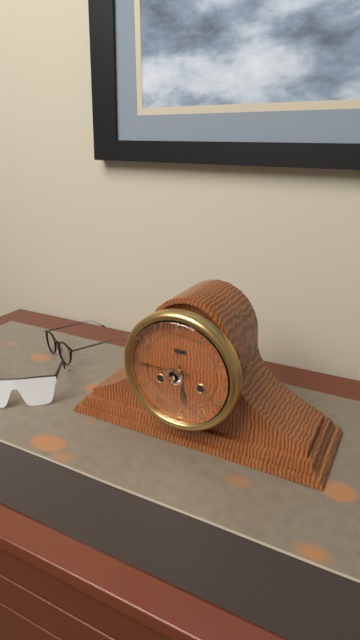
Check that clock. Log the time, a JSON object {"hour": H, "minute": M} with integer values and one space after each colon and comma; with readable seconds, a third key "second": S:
{"hour": 5, "minute": 45}
